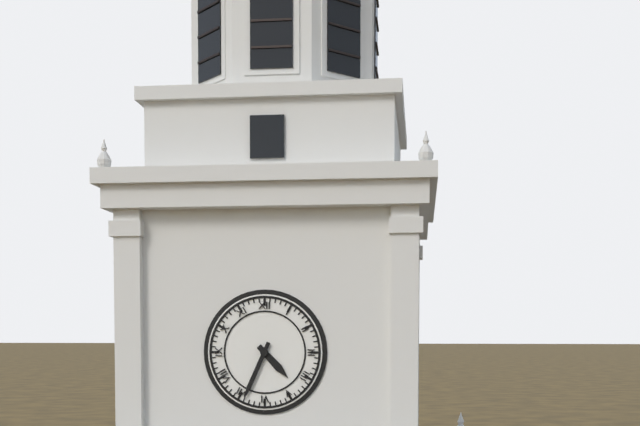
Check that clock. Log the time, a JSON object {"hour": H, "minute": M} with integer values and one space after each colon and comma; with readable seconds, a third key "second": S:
{"hour": 4, "minute": 34}
